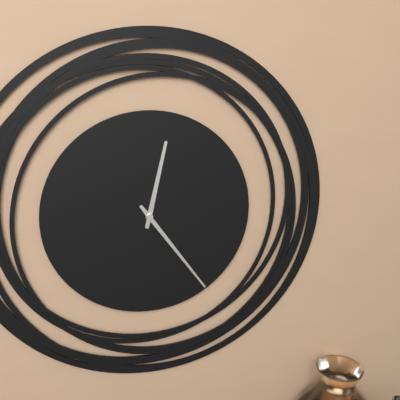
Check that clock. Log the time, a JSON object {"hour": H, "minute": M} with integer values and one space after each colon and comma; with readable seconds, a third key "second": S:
{"hour": 12, "minute": 24}
